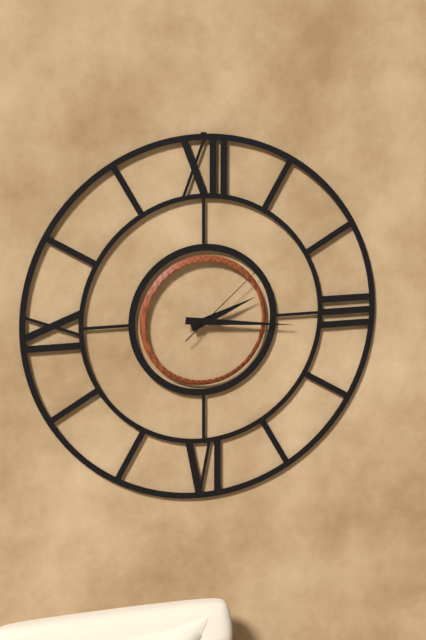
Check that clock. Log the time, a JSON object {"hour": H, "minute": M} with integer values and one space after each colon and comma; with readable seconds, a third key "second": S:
{"hour": 2, "minute": 16, "second": 8}
